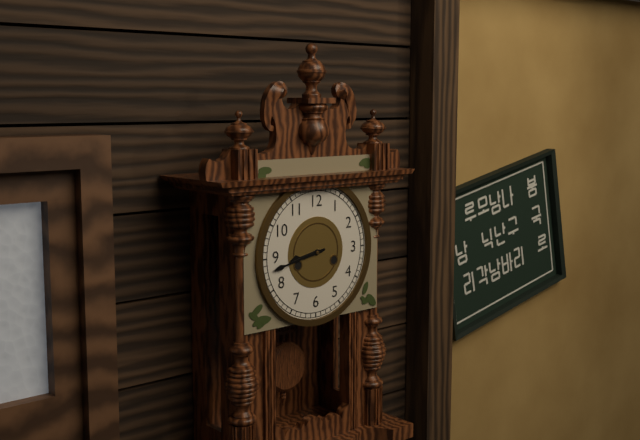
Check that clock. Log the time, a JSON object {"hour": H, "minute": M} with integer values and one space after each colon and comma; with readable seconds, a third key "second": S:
{"hour": 8, "minute": 43}
